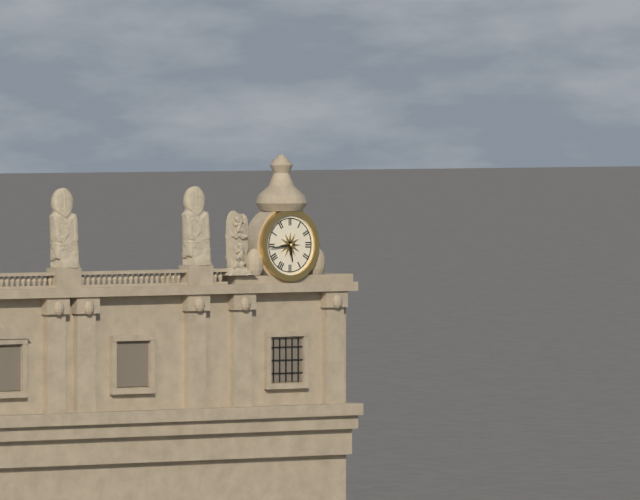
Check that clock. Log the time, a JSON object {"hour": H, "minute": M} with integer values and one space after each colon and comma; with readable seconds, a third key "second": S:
{"hour": 5, "minute": 44}
